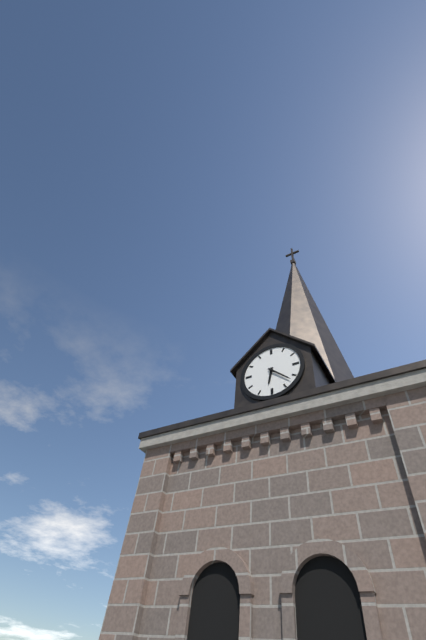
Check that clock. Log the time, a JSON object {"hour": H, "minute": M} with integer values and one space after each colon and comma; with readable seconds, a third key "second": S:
{"hour": 6, "minute": 22}
